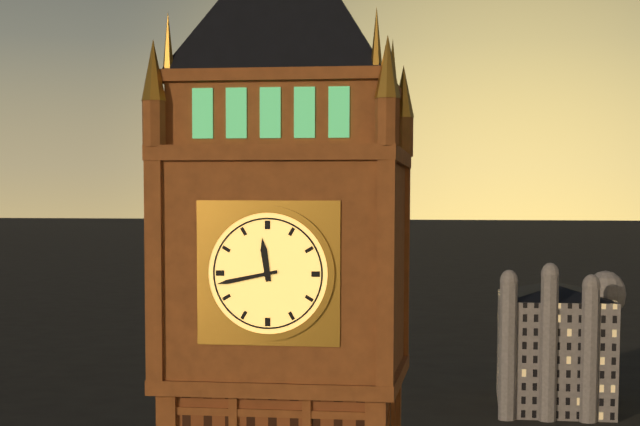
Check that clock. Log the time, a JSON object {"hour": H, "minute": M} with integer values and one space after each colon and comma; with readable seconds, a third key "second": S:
{"hour": 11, "minute": 43}
